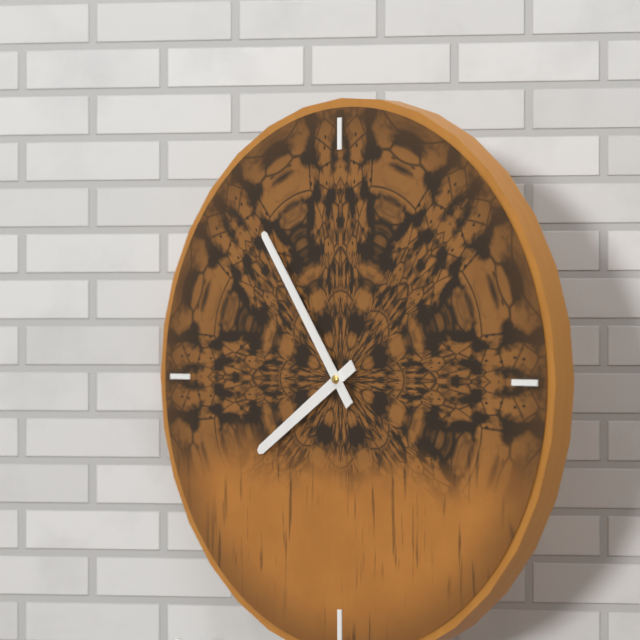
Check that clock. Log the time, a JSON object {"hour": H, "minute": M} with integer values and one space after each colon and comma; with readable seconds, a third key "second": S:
{"hour": 7, "minute": 54}
